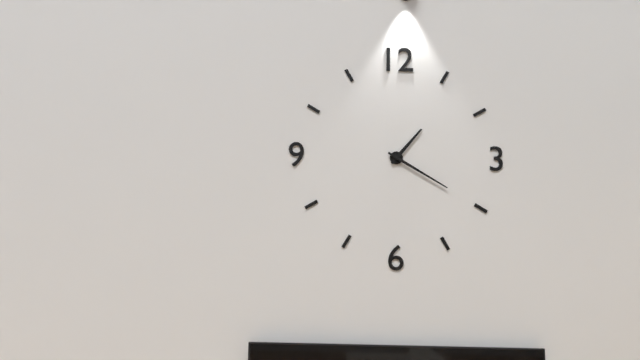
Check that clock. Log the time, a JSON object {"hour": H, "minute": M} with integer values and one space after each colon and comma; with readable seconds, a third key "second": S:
{"hour": 1, "minute": 20}
